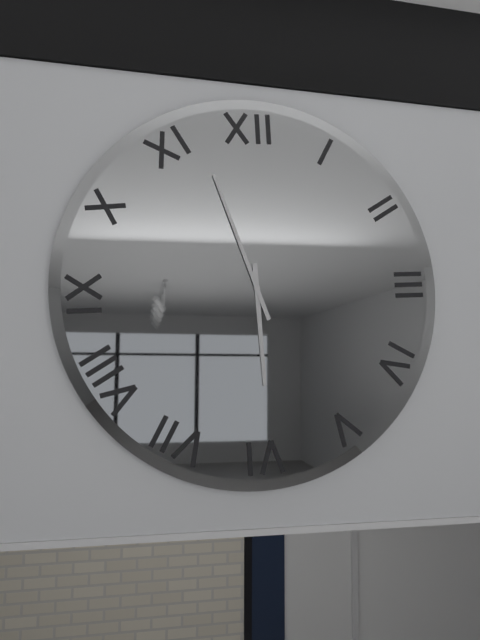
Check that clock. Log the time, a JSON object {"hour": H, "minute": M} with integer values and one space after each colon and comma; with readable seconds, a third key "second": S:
{"hour": 5, "minute": 57}
